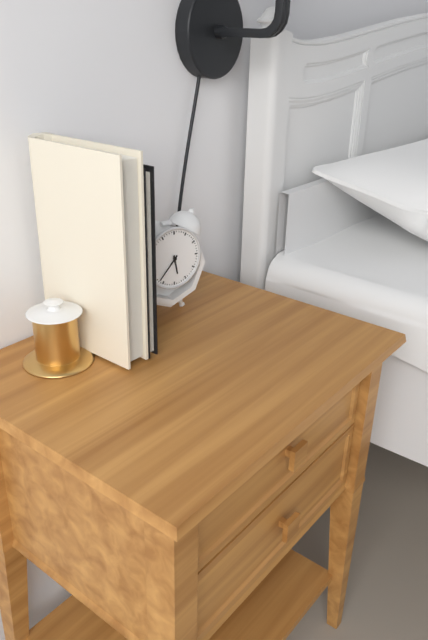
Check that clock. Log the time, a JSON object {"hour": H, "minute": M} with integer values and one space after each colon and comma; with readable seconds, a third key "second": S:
{"hour": 5, "minute": 37}
